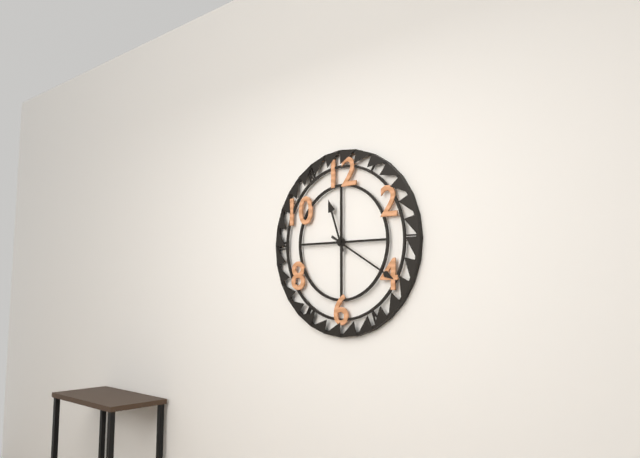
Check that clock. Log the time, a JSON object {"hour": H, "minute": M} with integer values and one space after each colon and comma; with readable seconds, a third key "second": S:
{"hour": 11, "minute": 20}
